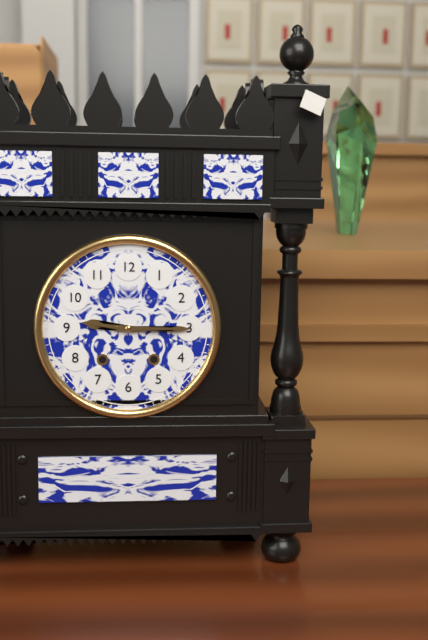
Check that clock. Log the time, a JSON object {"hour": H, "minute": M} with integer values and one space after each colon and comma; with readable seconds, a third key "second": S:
{"hour": 9, "minute": 15}
